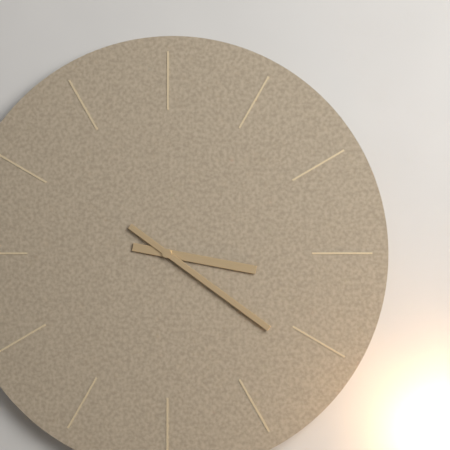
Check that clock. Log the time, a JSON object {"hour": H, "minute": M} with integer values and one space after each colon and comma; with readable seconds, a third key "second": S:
{"hour": 3, "minute": 21}
